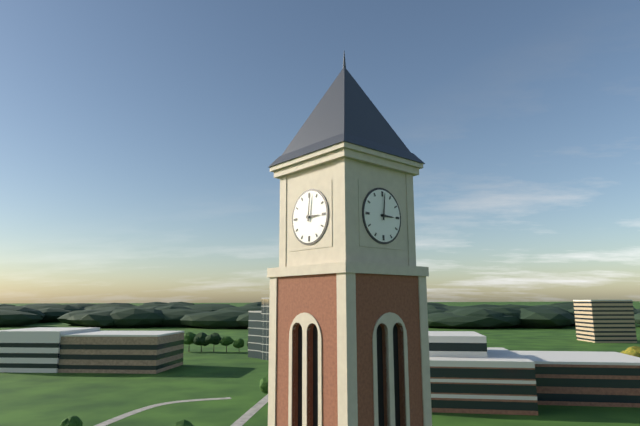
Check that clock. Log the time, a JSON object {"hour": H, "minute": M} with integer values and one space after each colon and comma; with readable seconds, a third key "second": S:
{"hour": 3, "minute": 1}
